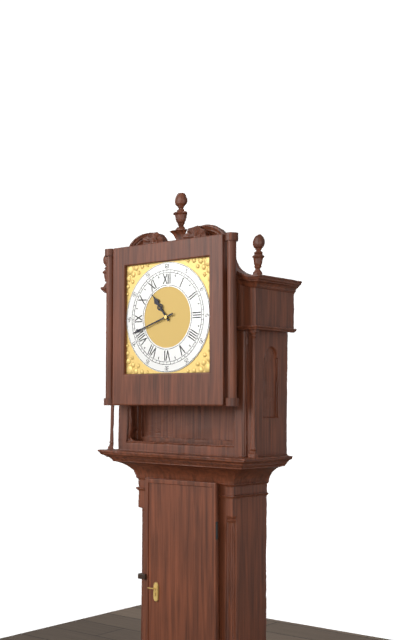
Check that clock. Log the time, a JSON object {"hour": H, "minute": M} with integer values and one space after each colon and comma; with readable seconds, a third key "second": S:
{"hour": 10, "minute": 42}
